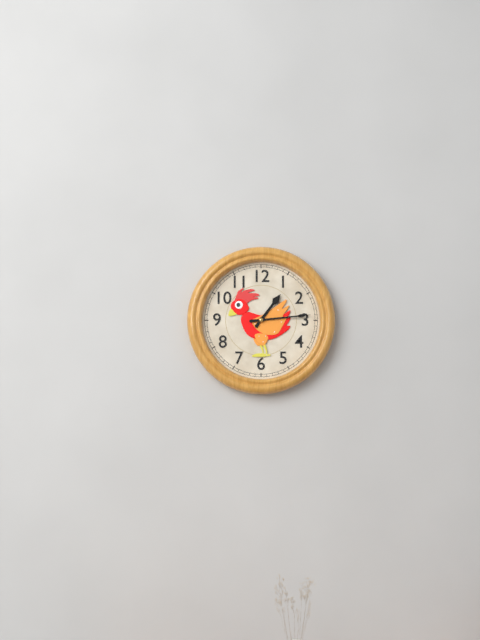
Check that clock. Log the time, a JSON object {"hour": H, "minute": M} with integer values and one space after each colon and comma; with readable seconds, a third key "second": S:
{"hour": 1, "minute": 14}
